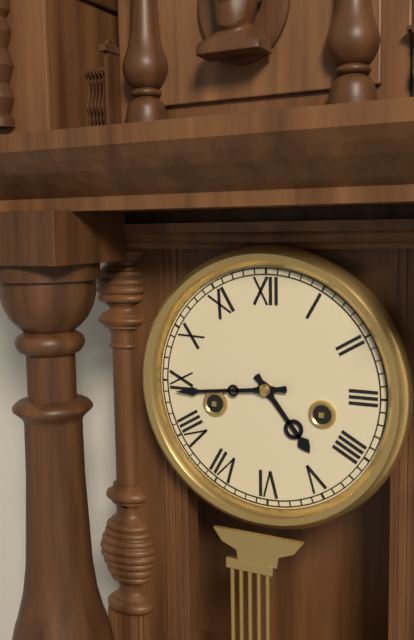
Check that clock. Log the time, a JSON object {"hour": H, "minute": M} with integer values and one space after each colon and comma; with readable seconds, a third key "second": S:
{"hour": 4, "minute": 44}
